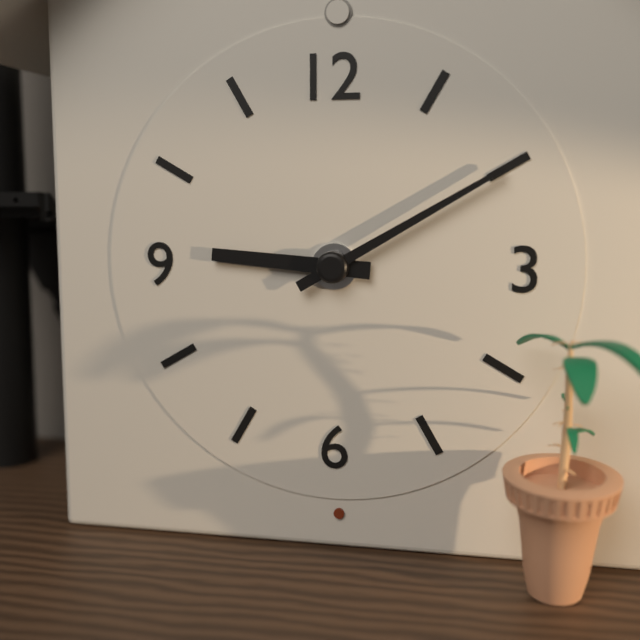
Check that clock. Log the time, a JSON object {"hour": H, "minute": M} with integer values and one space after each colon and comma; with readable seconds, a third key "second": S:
{"hour": 9, "minute": 10}
